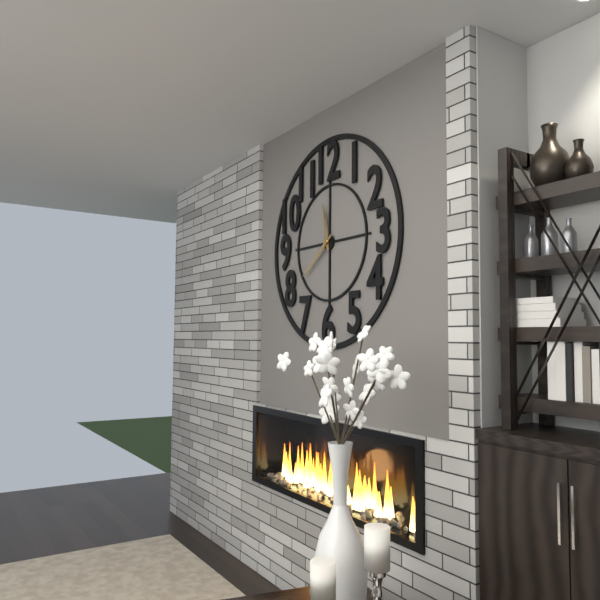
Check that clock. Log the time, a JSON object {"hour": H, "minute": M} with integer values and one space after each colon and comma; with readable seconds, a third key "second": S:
{"hour": 11, "minute": 39}
